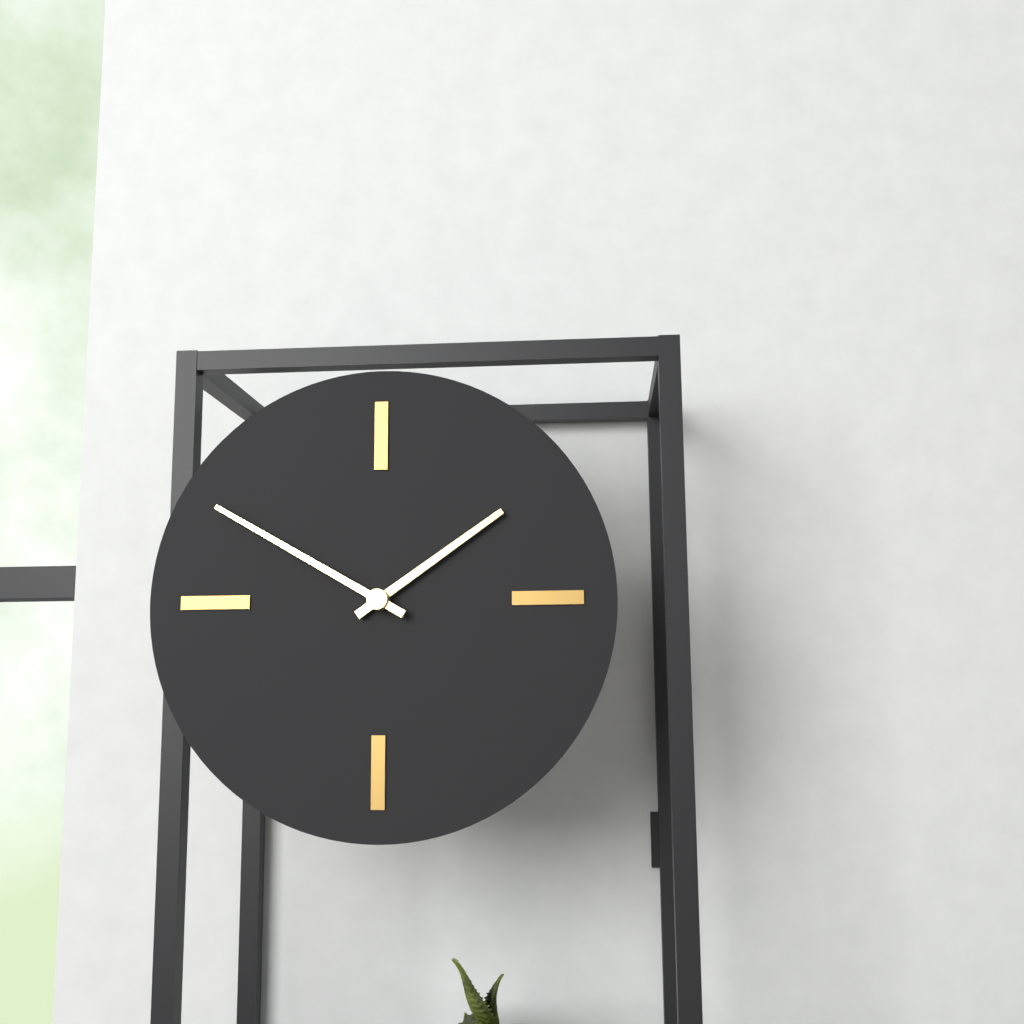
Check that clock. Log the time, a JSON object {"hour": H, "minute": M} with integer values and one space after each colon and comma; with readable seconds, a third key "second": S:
{"hour": 1, "minute": 50}
